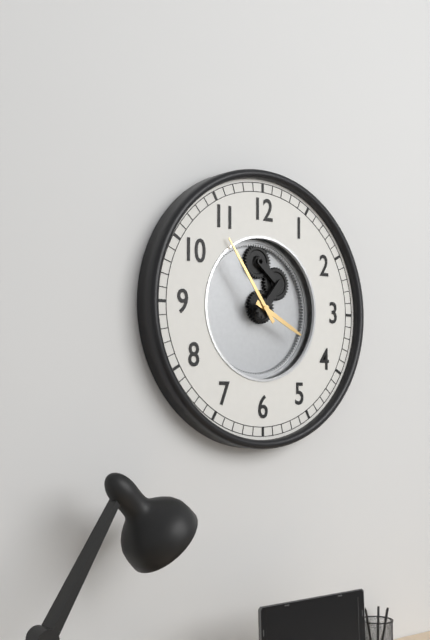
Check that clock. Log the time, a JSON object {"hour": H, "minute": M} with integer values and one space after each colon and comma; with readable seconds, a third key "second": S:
{"hour": 3, "minute": 54}
